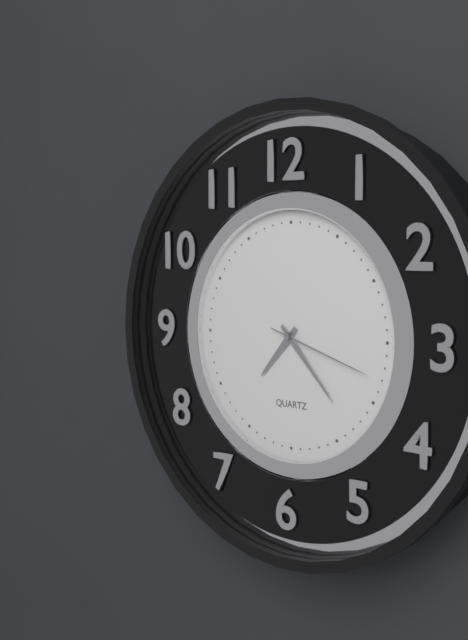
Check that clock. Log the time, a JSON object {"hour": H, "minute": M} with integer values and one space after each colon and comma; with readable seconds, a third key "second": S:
{"hour": 7, "minute": 23, "second": 18}
